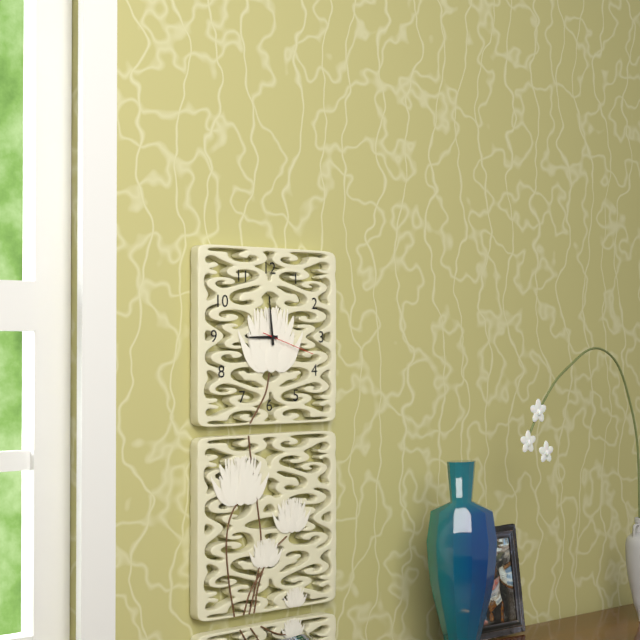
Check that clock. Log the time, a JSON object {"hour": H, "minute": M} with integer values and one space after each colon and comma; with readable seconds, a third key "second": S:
{"hour": 8, "minute": 59, "second": 18}
